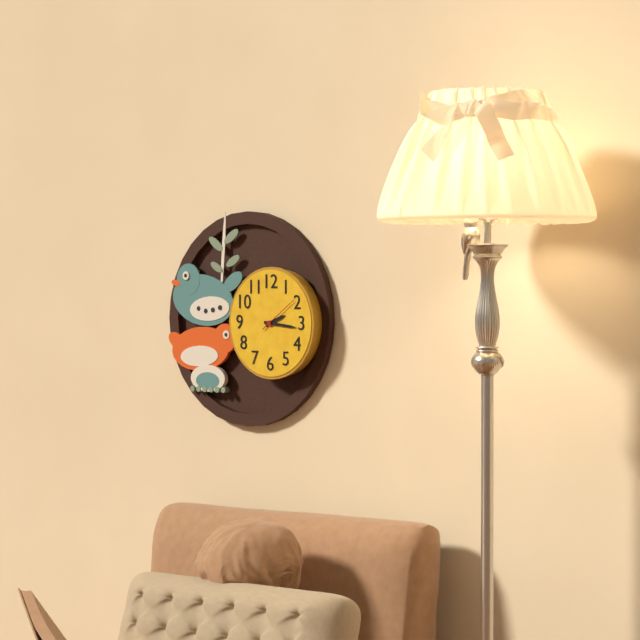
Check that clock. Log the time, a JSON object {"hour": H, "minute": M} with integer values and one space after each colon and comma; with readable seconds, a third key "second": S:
{"hour": 2, "minute": 16}
